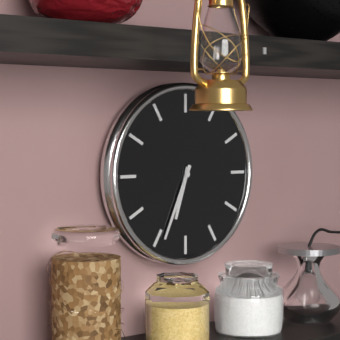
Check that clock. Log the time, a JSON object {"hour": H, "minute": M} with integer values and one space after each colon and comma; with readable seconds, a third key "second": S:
{"hour": 6, "minute": 34}
